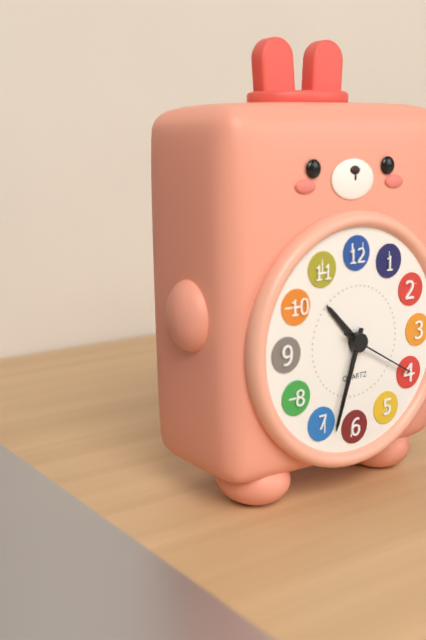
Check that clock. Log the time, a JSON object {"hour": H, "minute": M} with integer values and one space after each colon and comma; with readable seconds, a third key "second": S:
{"hour": 10, "minute": 33, "second": 20}
